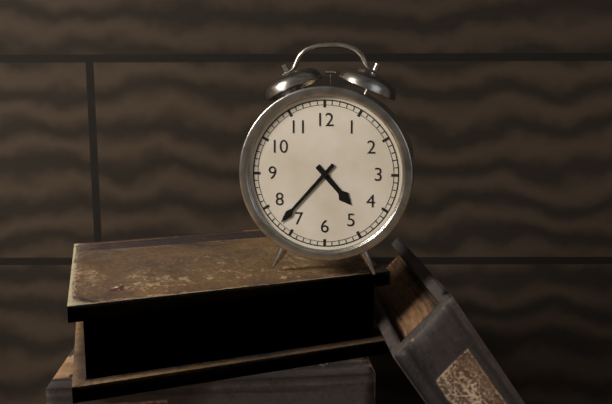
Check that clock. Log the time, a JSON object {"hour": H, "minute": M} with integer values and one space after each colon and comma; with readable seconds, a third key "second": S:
{"hour": 4, "minute": 37}
